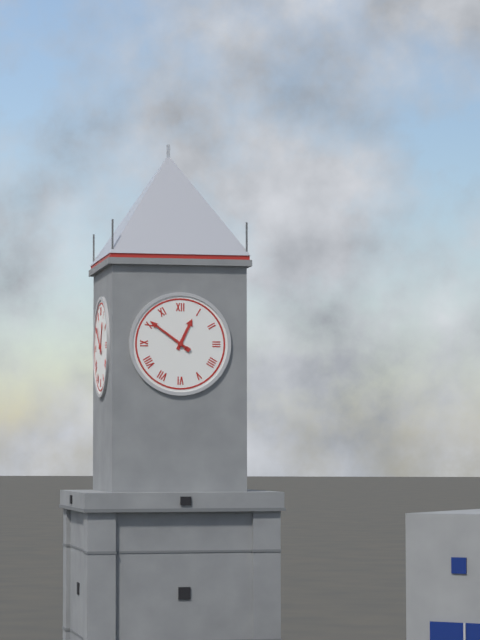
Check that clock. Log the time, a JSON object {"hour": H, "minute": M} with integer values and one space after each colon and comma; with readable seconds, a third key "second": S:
{"hour": 12, "minute": 51}
